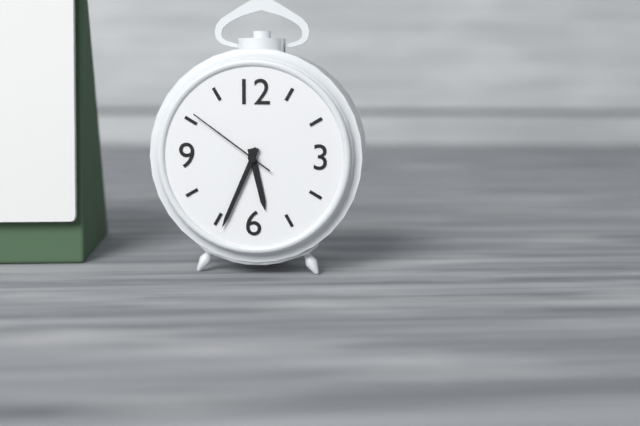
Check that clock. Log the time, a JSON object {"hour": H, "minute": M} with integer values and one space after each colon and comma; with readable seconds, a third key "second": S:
{"hour": 5, "minute": 34, "second": 51}
